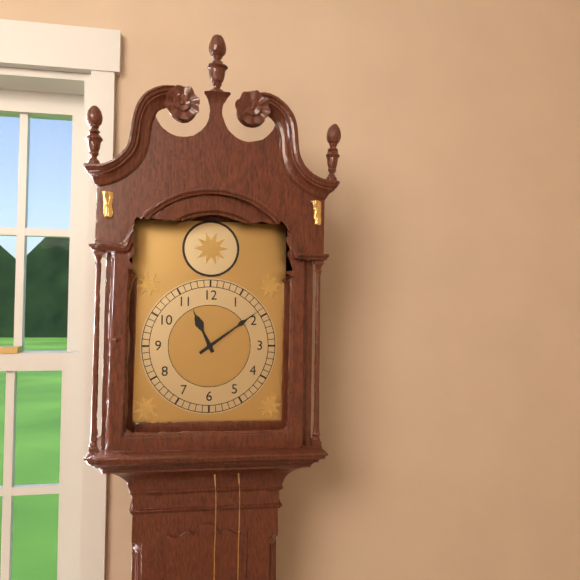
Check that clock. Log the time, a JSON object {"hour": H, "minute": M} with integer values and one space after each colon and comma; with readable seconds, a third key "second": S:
{"hour": 11, "minute": 9}
